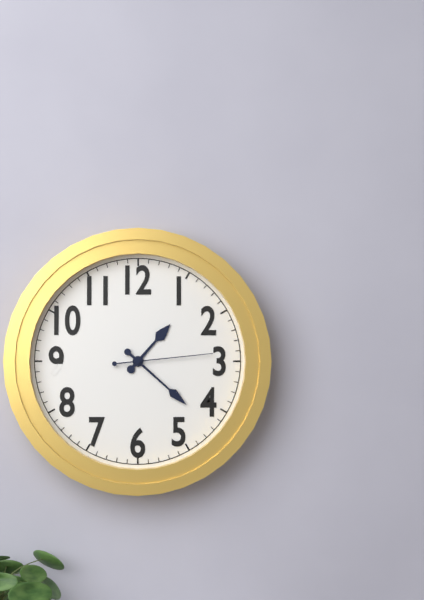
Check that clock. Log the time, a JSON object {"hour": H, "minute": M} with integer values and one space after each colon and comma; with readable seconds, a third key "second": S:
{"hour": 1, "minute": 22, "second": 14}
